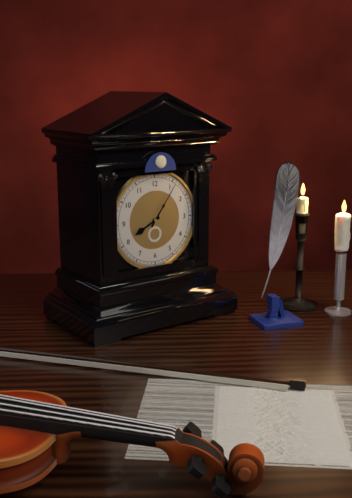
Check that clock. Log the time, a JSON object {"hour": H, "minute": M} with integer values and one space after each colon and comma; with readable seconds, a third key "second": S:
{"hour": 8, "minute": 6}
